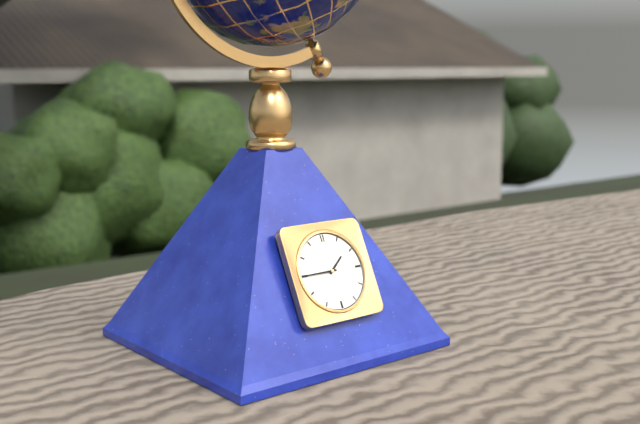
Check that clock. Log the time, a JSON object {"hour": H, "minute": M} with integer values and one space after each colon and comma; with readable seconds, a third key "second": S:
{"hour": 1, "minute": 45}
